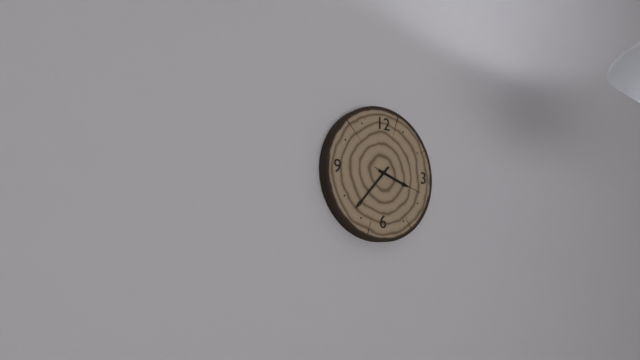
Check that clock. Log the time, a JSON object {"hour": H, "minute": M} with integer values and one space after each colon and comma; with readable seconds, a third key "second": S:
{"hour": 3, "minute": 37, "second": 18}
